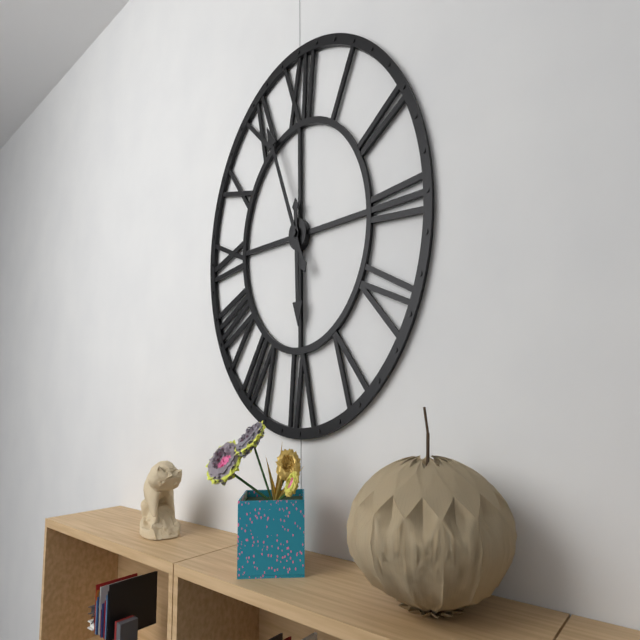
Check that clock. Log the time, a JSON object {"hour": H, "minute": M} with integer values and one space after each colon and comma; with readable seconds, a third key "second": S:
{"hour": 5, "minute": 56}
